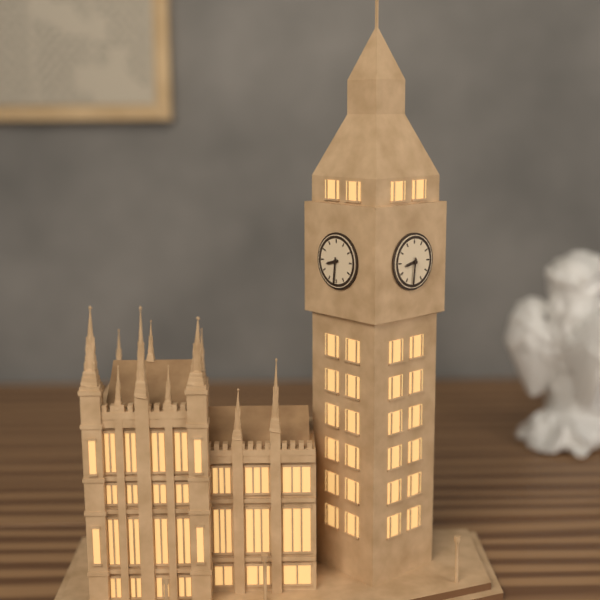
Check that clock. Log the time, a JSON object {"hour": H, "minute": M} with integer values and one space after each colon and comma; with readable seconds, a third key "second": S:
{"hour": 8, "minute": 31}
